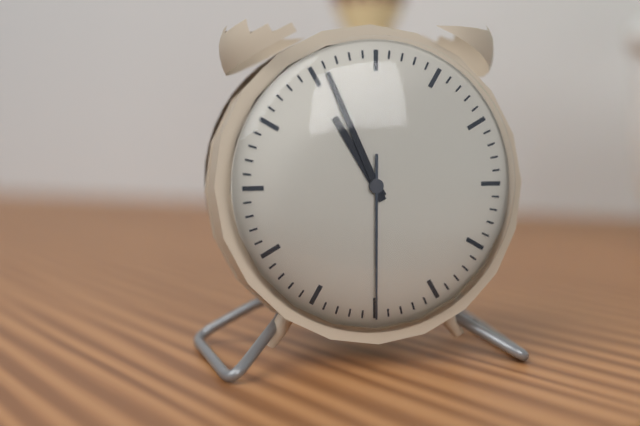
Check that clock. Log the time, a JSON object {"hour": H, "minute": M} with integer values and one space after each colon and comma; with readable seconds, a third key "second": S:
{"hour": 10, "minute": 56, "second": 30}
